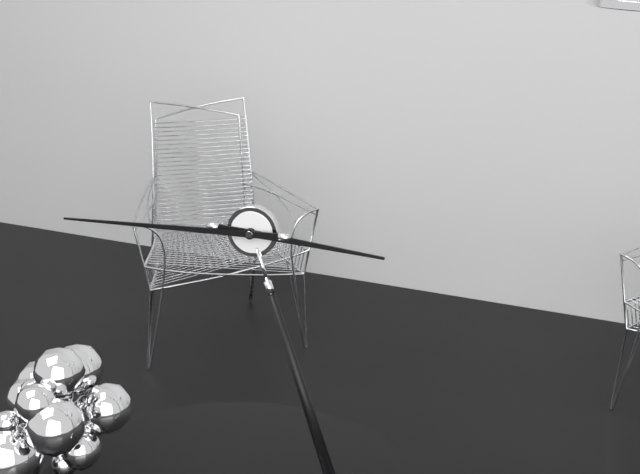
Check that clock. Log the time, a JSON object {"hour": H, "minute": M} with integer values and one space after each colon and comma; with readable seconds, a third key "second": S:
{"hour": 3, "minute": 48}
